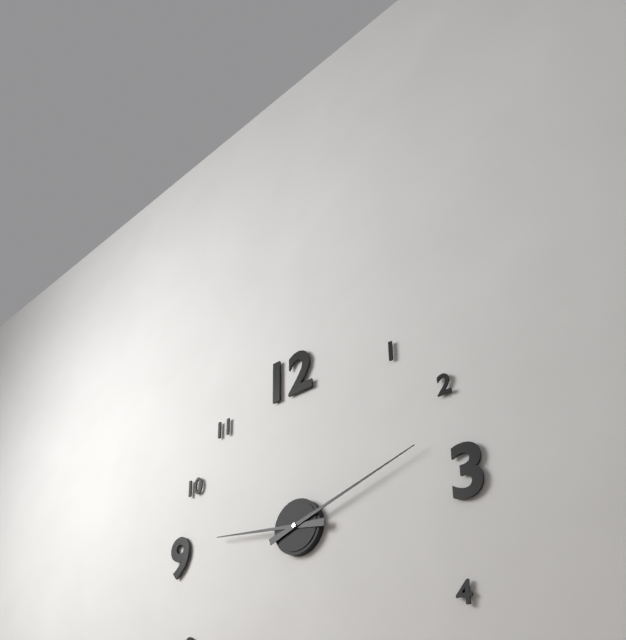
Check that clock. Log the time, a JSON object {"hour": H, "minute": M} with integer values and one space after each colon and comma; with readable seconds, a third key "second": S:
{"hour": 9, "minute": 12}
